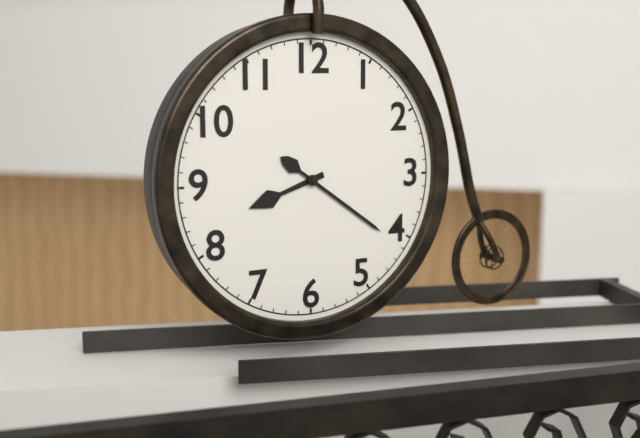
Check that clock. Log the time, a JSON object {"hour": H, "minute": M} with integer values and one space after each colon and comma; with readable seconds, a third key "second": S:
{"hour": 8, "minute": 21}
